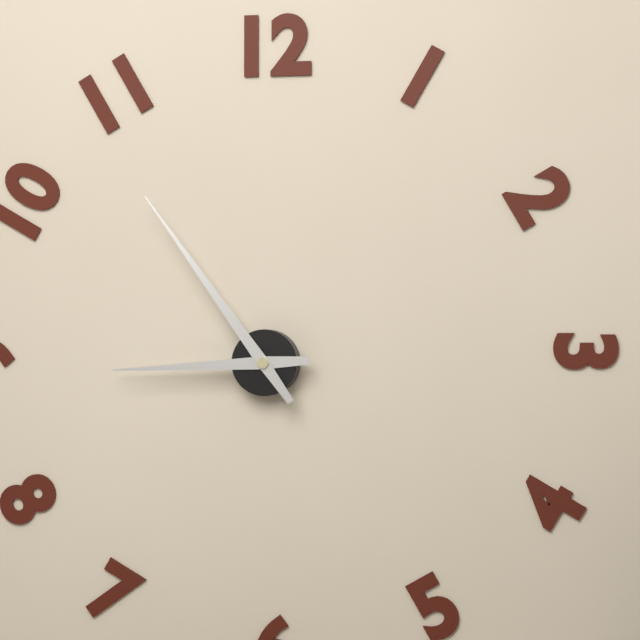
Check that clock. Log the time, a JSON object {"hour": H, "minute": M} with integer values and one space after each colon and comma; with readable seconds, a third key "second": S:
{"hour": 8, "minute": 54}
